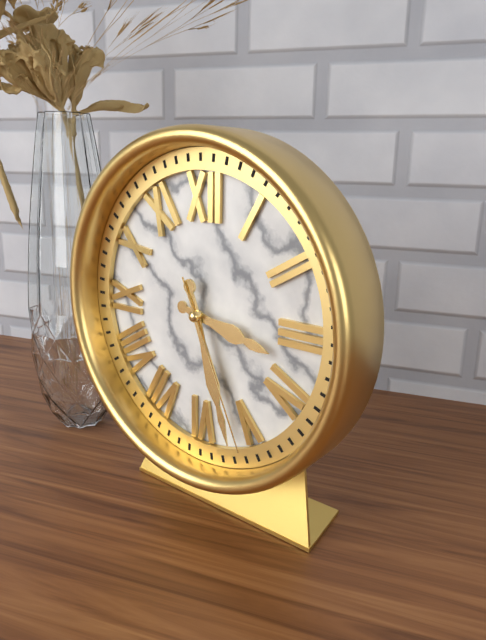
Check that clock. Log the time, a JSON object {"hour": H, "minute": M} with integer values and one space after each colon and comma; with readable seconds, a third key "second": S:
{"hour": 3, "minute": 27, "second": 26}
